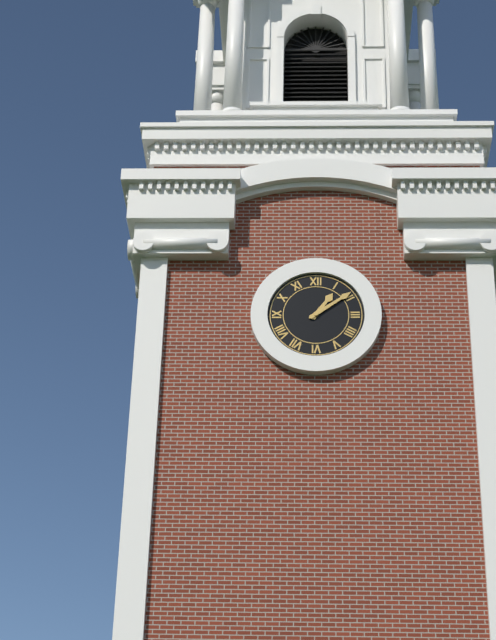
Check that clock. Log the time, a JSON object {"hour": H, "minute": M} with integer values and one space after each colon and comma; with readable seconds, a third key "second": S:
{"hour": 1, "minute": 9}
